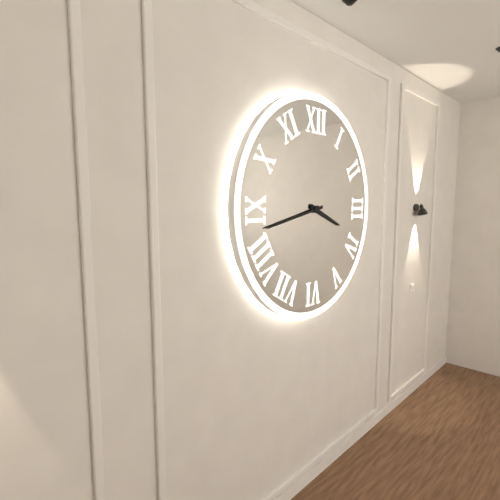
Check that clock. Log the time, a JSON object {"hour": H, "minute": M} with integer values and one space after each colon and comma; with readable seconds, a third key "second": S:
{"hour": 3, "minute": 43}
